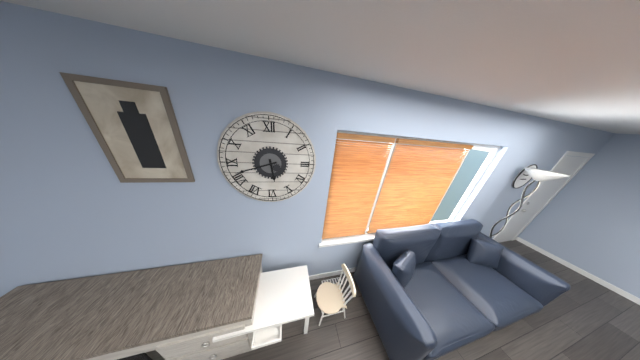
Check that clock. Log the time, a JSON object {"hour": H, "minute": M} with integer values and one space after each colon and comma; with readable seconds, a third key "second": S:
{"hour": 5, "minute": 42}
